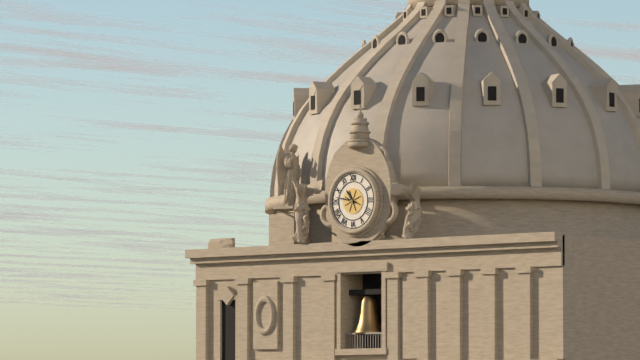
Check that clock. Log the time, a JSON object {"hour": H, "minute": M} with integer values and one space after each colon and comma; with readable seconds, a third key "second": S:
{"hour": 10, "minute": 47}
